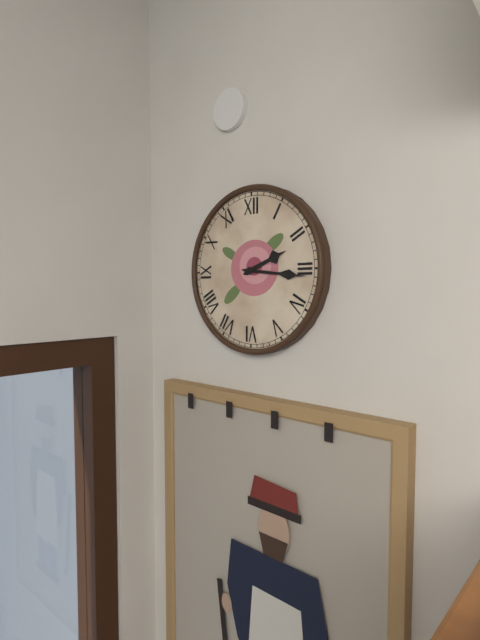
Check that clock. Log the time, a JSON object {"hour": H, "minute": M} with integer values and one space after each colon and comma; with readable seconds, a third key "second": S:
{"hour": 2, "minute": 16}
